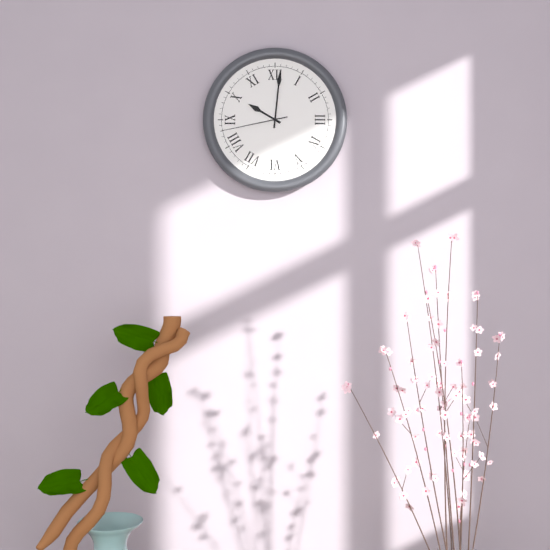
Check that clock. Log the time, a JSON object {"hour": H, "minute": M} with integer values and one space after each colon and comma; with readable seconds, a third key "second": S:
{"hour": 10, "minute": 1, "second": 43}
